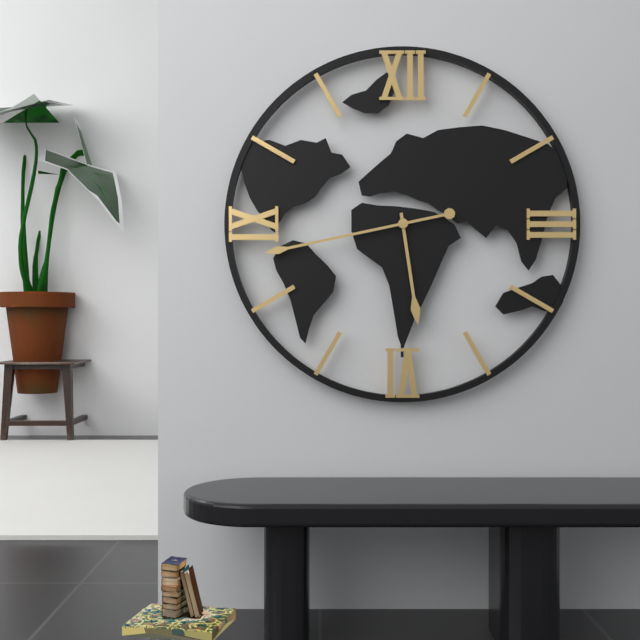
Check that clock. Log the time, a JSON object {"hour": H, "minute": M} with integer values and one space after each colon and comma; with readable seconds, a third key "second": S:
{"hour": 5, "minute": 43}
